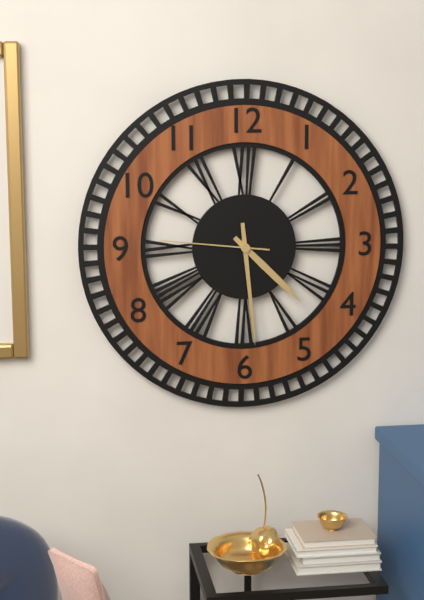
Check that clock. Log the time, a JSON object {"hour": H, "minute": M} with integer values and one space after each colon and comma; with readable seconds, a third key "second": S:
{"hour": 4, "minute": 29, "second": 46}
